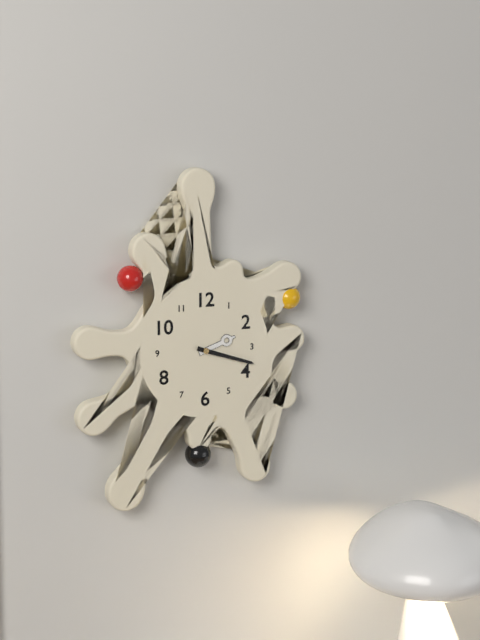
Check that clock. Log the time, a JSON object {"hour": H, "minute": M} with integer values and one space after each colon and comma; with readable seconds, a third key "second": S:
{"hour": 2, "minute": 18}
